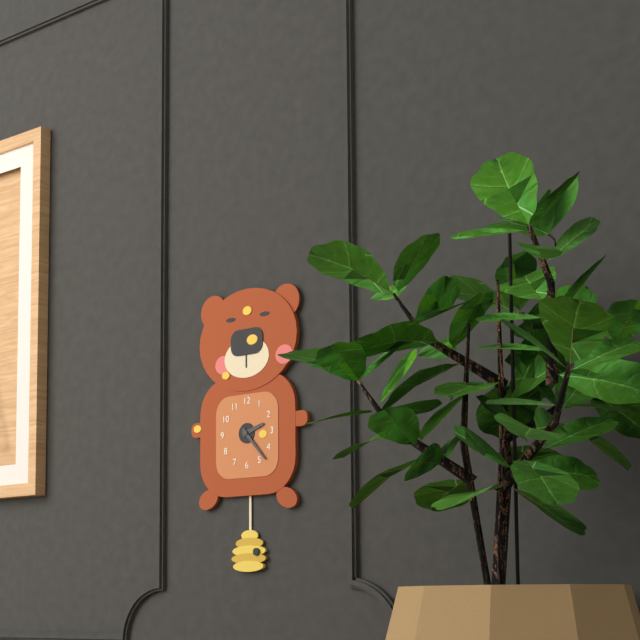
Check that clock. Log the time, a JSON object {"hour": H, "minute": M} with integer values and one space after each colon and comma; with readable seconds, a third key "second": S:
{"hour": 2, "minute": 23}
